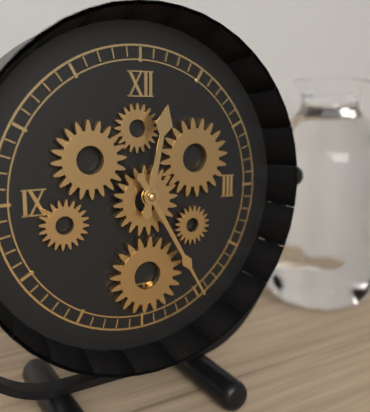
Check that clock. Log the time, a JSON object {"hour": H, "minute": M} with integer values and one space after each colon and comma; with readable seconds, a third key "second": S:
{"hour": 12, "minute": 25}
